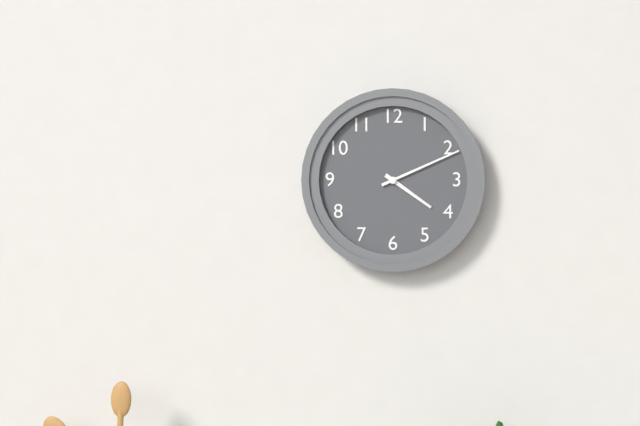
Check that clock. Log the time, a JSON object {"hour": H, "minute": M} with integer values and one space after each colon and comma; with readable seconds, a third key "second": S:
{"hour": 4, "minute": 11}
